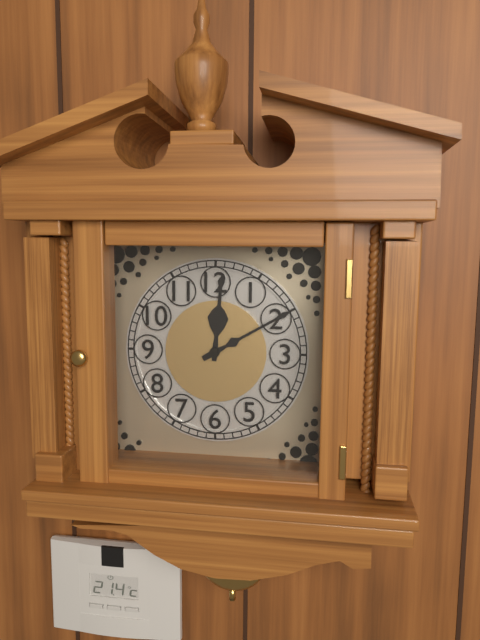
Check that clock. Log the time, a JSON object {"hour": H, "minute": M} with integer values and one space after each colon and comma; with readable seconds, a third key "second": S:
{"hour": 12, "minute": 10}
